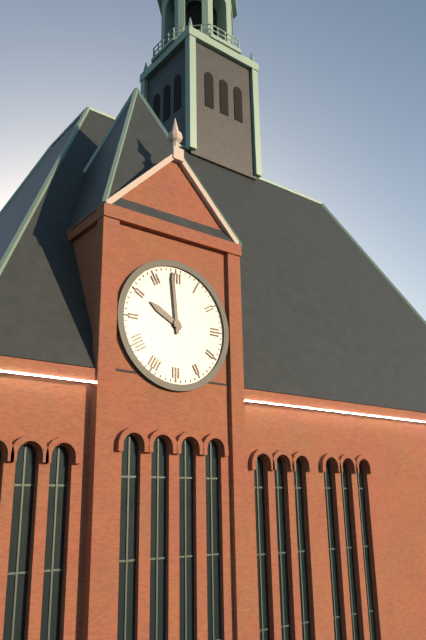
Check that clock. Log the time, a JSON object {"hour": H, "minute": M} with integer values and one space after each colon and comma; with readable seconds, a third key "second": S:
{"hour": 9, "minute": 59}
